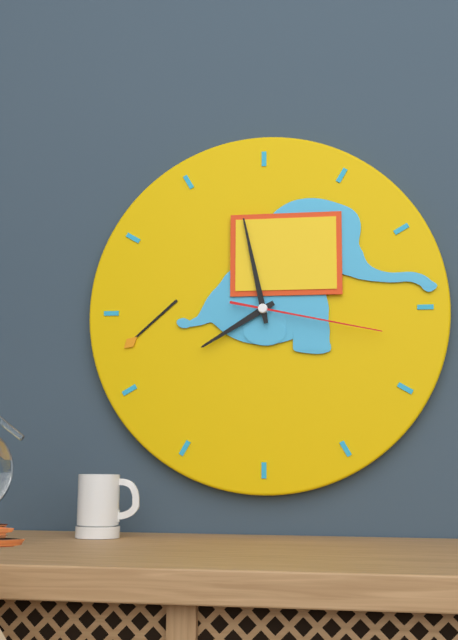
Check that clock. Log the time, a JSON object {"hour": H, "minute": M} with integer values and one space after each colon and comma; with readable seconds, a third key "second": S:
{"hour": 7, "minute": 58, "second": 17}
